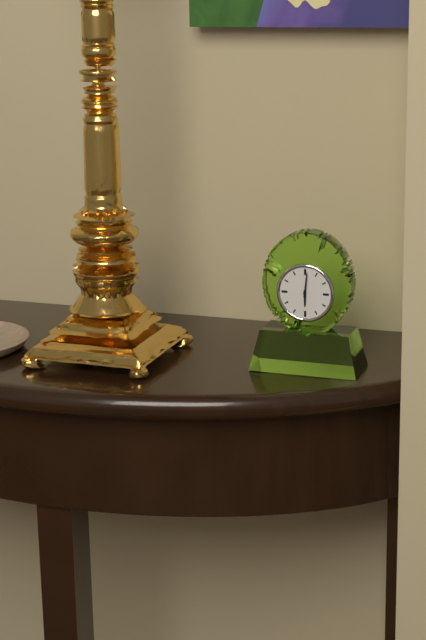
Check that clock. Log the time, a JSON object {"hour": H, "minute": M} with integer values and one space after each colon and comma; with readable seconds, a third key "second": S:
{"hour": 6, "minute": 1}
